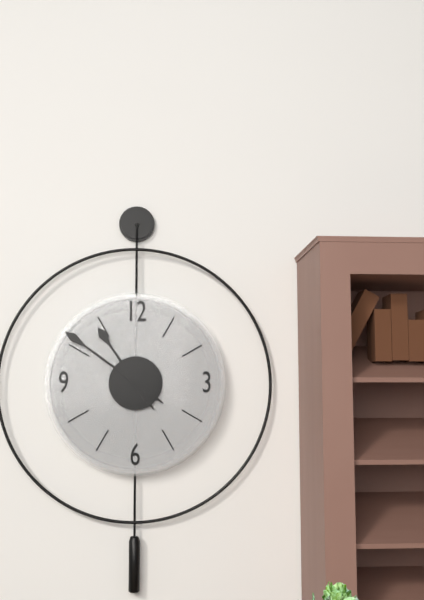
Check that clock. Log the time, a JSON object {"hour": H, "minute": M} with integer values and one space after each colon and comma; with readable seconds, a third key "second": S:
{"hour": 10, "minute": 51}
